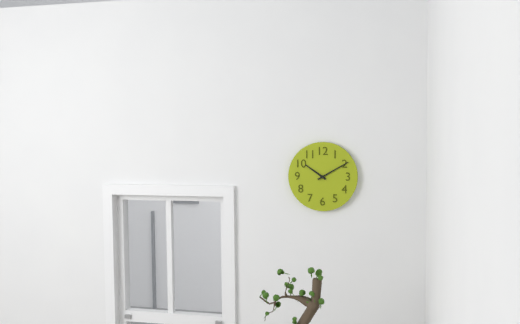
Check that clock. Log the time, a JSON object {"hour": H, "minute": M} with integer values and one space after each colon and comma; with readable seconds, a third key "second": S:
{"hour": 10, "minute": 10}
